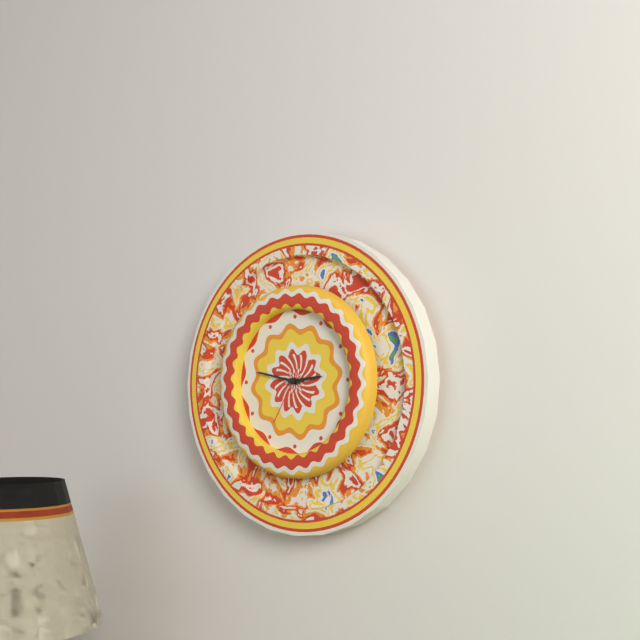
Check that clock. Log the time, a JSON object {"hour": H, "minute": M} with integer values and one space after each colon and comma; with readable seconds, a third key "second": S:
{"hour": 2, "minute": 47, "second": 35}
